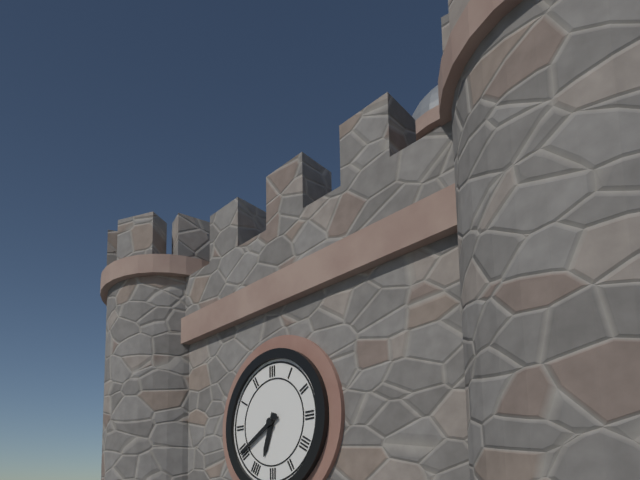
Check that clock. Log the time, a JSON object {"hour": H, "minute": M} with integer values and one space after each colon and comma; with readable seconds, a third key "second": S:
{"hour": 6, "minute": 40}
